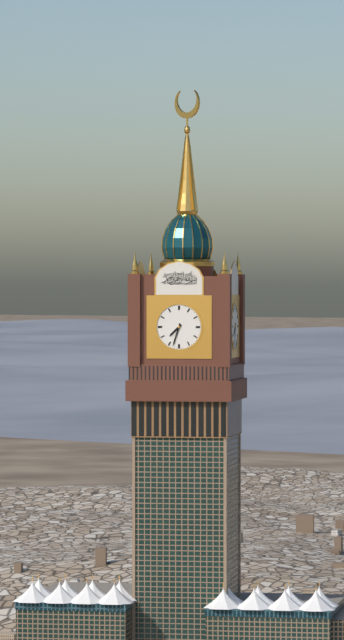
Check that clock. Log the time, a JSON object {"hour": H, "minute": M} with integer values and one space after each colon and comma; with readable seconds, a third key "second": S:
{"hour": 7, "minute": 33}
